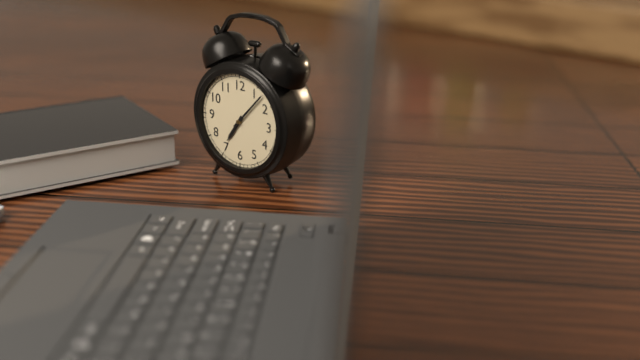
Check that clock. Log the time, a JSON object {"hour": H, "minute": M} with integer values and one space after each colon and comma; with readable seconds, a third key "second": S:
{"hour": 7, "minute": 7}
